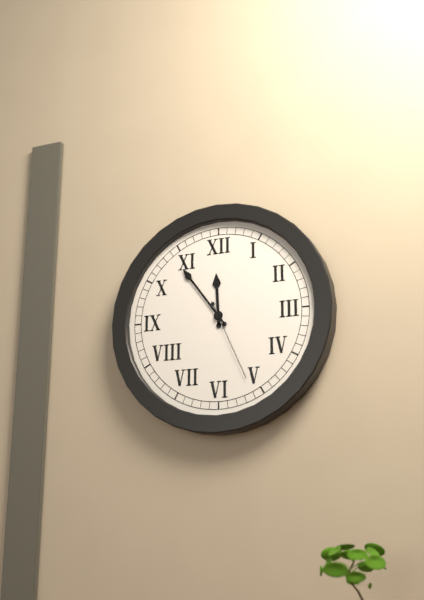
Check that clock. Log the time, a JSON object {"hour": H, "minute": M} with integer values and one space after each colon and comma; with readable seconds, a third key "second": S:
{"hour": 11, "minute": 54, "second": 26}
